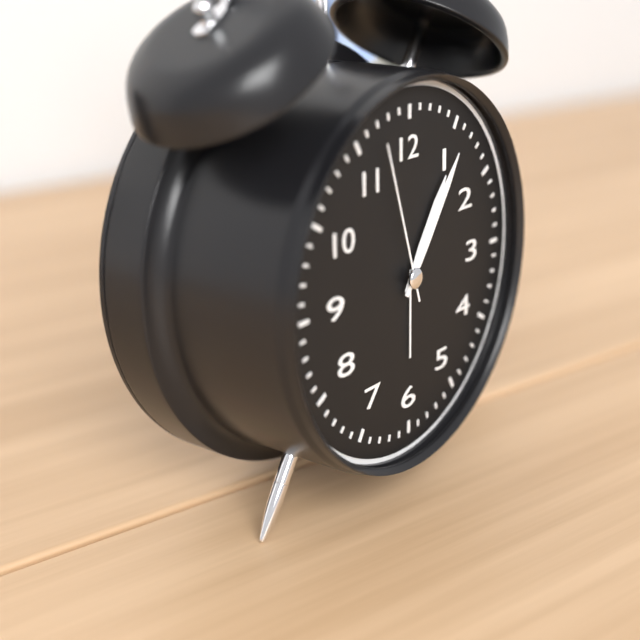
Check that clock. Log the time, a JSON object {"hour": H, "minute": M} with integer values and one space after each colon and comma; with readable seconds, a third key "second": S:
{"hour": 1, "minute": 6, "second": 57}
